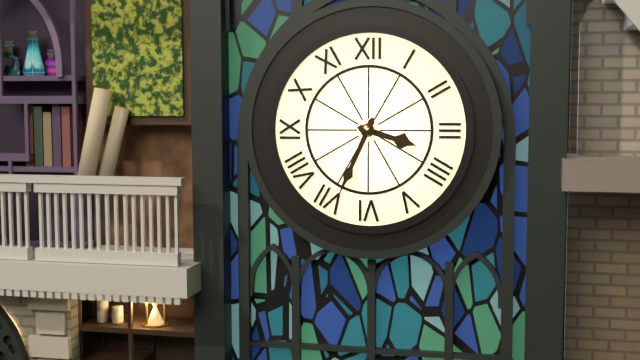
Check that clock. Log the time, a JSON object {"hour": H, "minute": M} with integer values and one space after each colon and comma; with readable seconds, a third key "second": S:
{"hour": 3, "minute": 34}
